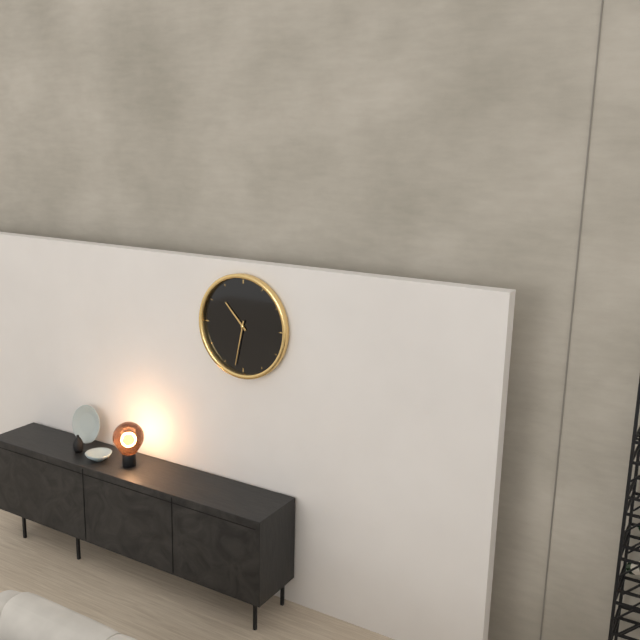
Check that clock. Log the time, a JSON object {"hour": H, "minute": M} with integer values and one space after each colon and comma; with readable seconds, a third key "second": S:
{"hour": 10, "minute": 32}
